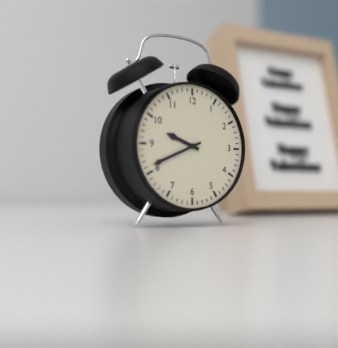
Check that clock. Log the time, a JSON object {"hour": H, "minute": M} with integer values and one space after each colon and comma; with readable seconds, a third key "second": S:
{"hour": 9, "minute": 41}
